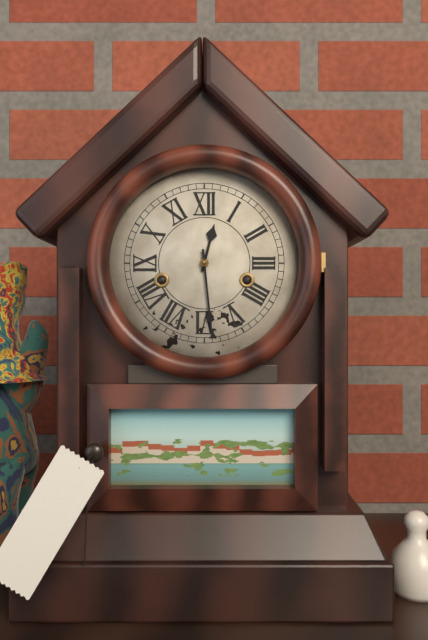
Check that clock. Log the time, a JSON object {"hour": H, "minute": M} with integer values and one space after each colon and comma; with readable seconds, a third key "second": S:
{"hour": 12, "minute": 29}
